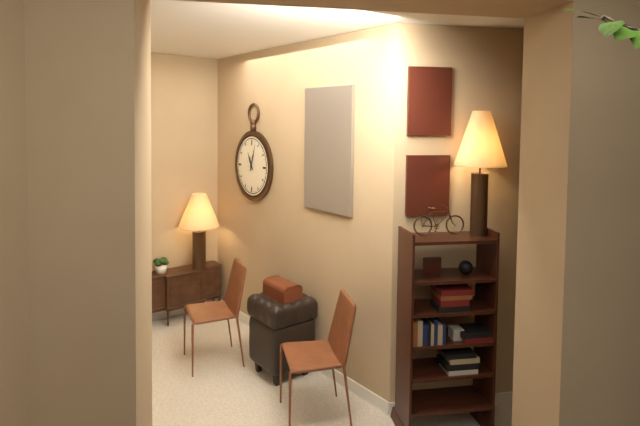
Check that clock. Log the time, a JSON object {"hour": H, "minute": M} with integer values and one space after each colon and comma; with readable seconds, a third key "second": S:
{"hour": 11, "minute": 3}
